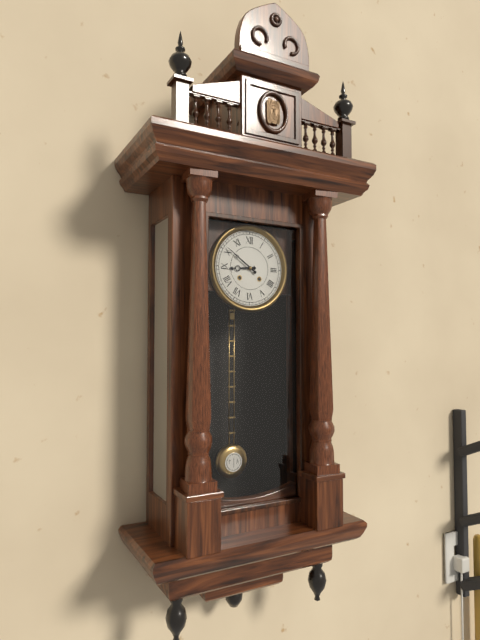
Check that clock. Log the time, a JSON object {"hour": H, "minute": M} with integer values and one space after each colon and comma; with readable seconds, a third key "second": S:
{"hour": 8, "minute": 51}
